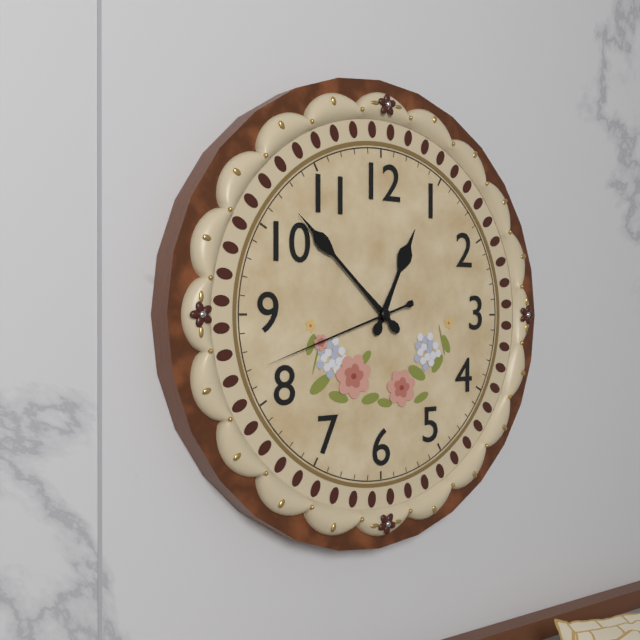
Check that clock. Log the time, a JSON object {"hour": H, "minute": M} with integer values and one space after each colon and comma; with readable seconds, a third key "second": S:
{"hour": 12, "minute": 52, "second": 42}
